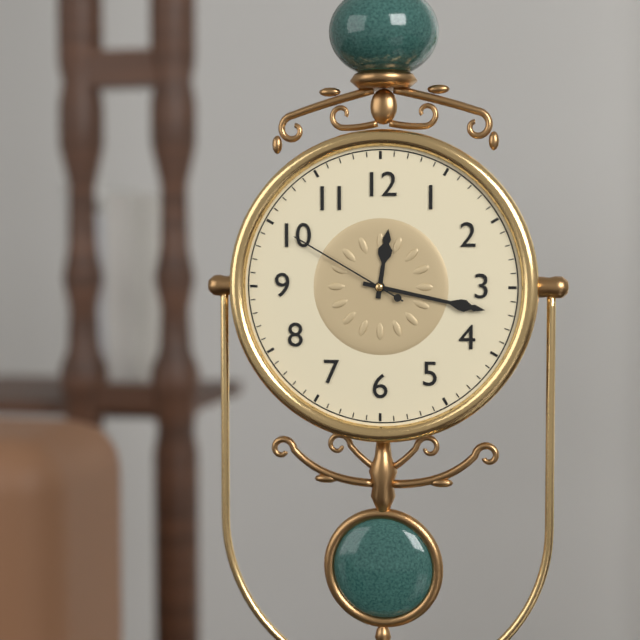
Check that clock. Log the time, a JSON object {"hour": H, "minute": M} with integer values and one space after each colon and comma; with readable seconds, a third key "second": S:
{"hour": 12, "minute": 17, "second": 50}
